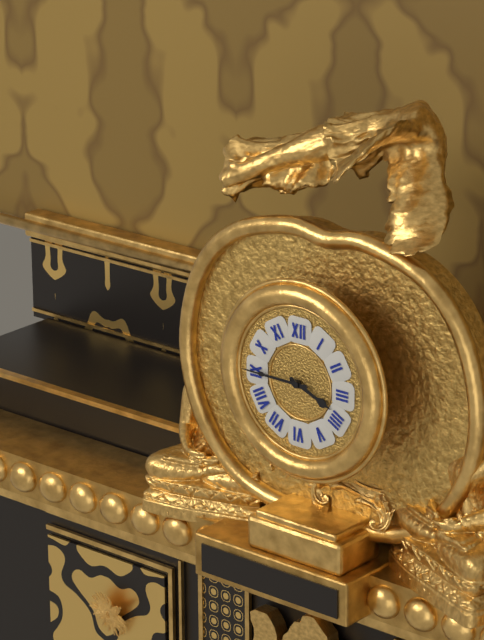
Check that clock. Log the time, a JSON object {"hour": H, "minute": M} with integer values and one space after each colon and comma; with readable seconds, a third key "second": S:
{"hour": 3, "minute": 45}
